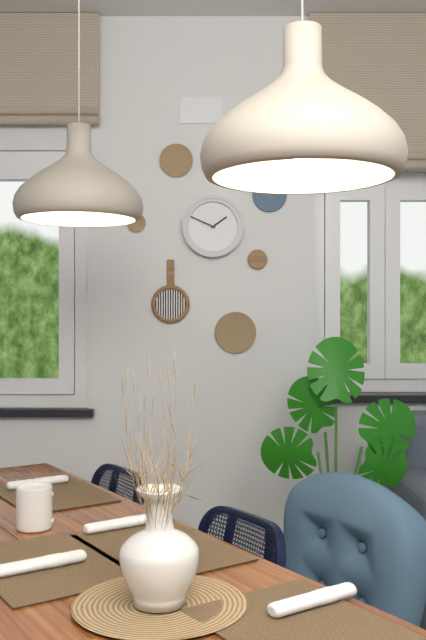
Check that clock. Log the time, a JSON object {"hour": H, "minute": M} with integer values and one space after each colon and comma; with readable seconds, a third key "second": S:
{"hour": 1, "minute": 49}
